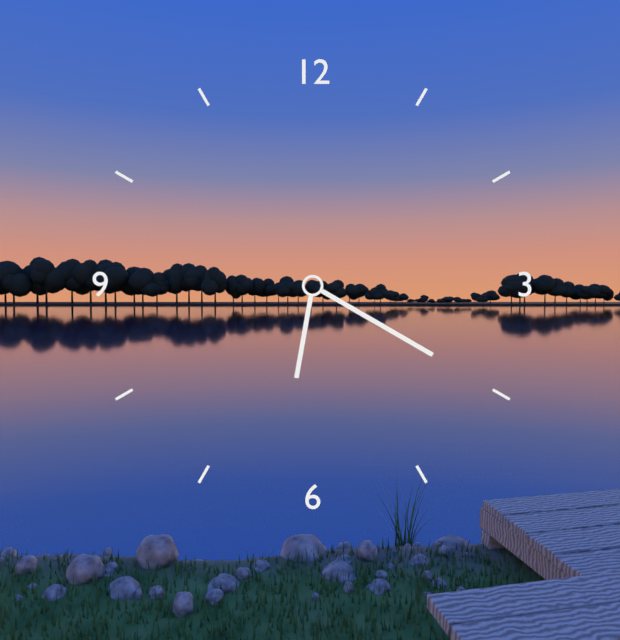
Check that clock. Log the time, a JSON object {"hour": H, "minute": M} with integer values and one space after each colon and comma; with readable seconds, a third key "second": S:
{"hour": 6, "minute": 20}
